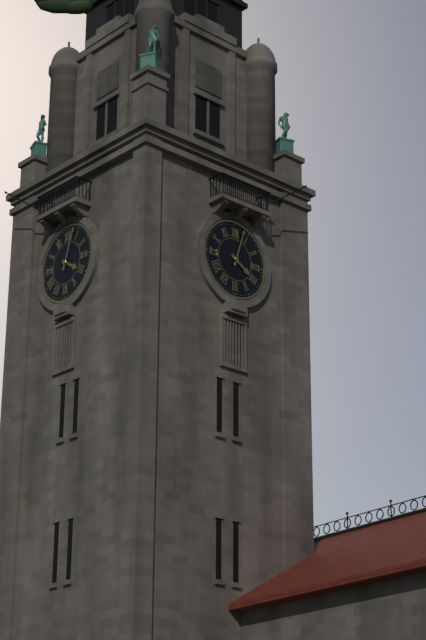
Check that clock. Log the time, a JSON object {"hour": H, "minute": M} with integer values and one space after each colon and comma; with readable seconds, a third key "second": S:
{"hour": 4, "minute": 3}
